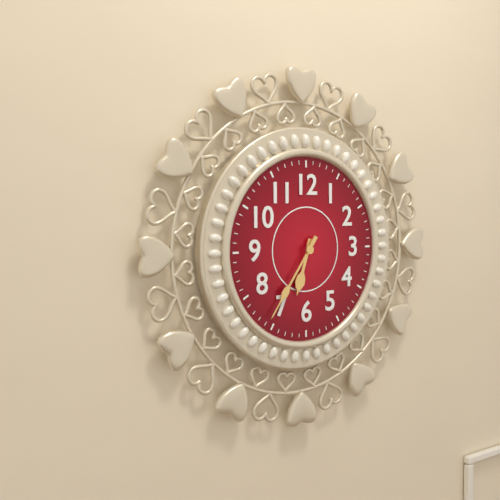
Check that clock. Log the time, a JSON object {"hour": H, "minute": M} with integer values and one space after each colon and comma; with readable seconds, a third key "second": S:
{"hour": 6, "minute": 36}
